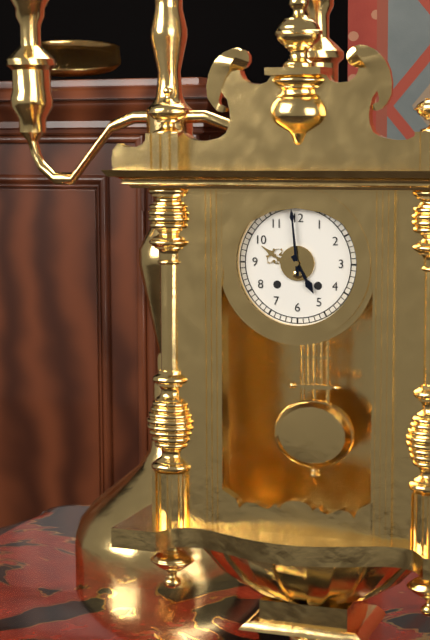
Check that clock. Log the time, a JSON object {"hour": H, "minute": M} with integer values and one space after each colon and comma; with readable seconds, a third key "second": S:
{"hour": 4, "minute": 59}
